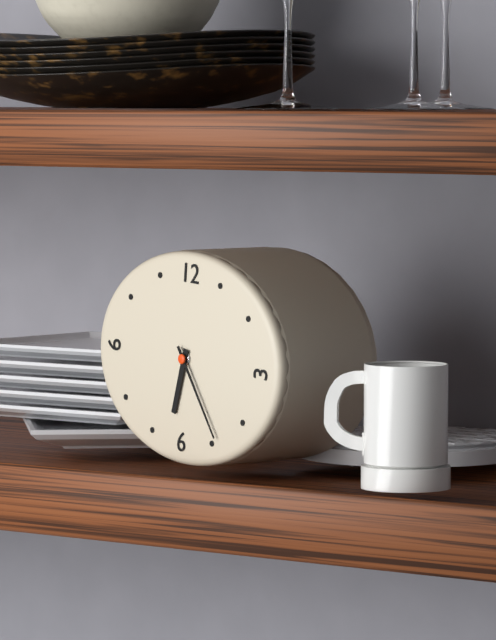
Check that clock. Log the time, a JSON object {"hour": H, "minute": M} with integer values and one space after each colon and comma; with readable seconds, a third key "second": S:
{"hour": 6, "minute": 24}
